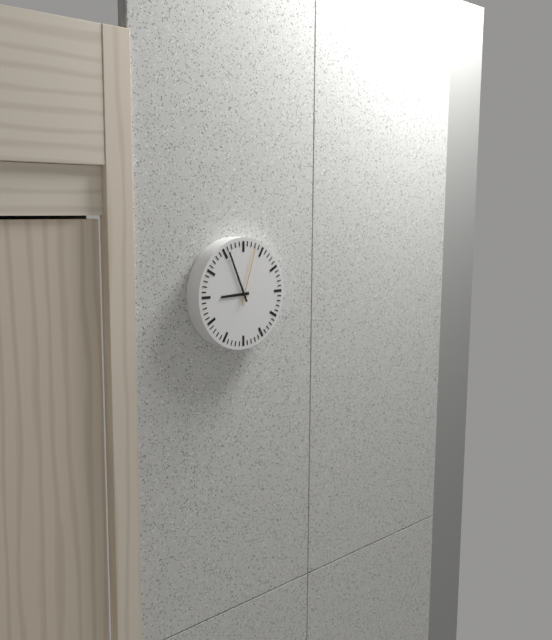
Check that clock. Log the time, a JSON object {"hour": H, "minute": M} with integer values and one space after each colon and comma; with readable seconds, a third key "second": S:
{"hour": 8, "minute": 56, "second": 3}
